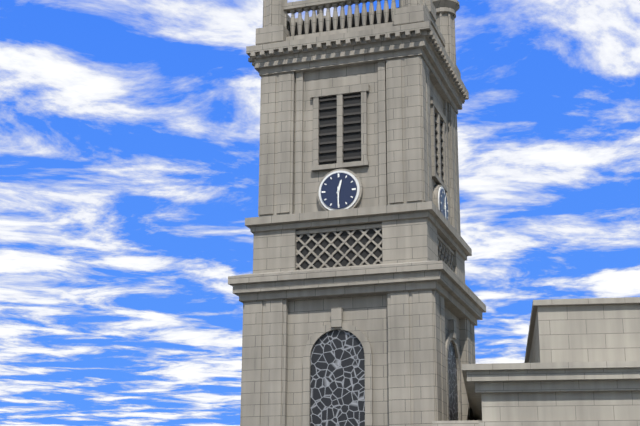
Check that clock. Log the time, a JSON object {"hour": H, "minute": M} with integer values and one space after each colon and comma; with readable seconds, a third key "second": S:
{"hour": 12, "minute": 30}
